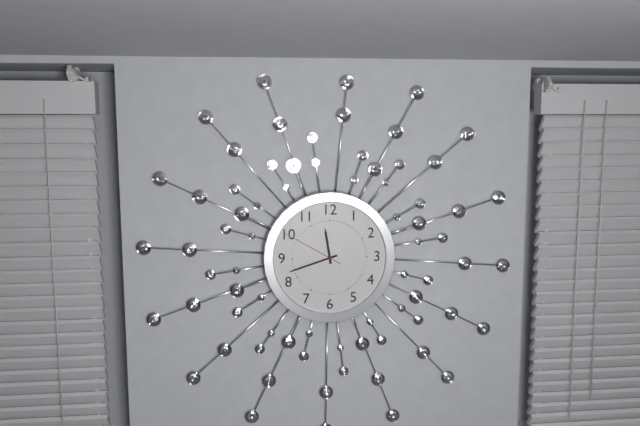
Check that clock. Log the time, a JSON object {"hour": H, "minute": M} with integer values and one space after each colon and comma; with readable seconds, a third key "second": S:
{"hour": 11, "minute": 42, "second": 50}
